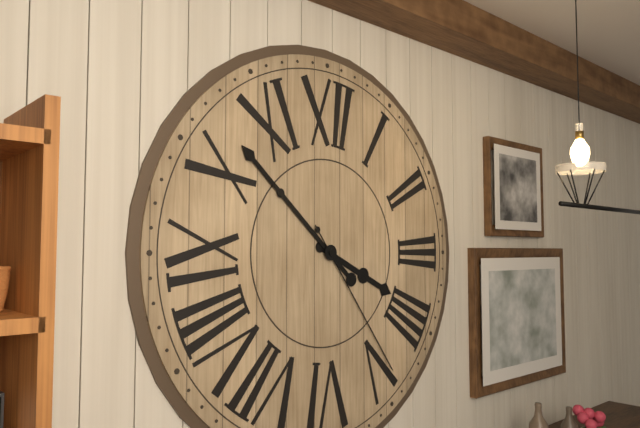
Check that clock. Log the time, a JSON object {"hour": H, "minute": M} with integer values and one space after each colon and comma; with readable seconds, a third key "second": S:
{"hour": 3, "minute": 52, "second": 24}
